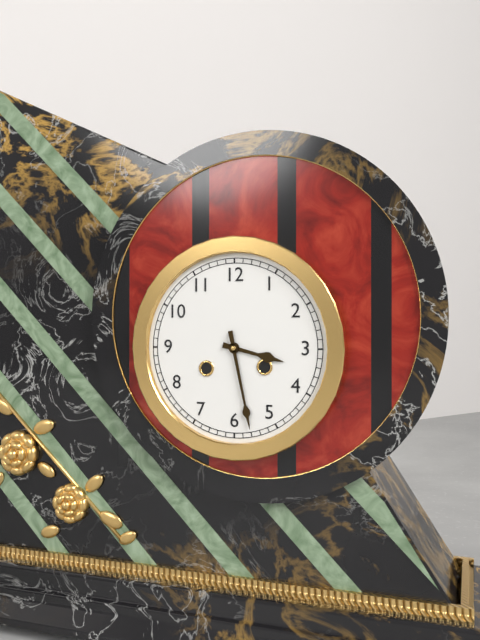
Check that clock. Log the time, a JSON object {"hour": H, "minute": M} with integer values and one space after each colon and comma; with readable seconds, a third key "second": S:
{"hour": 3, "minute": 28}
